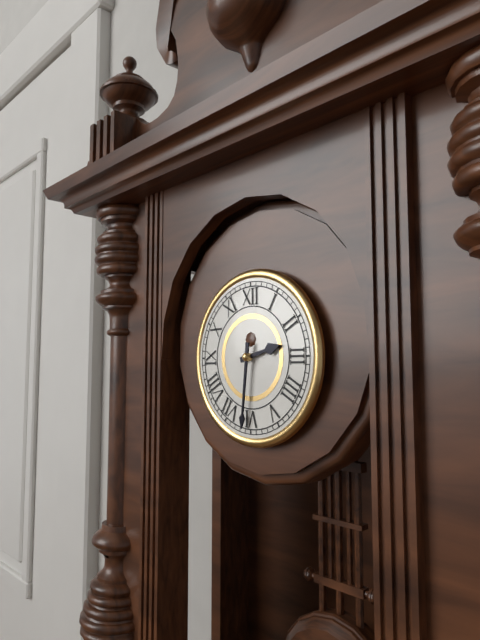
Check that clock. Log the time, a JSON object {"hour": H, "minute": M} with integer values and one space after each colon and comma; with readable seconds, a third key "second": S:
{"hour": 2, "minute": 31}
